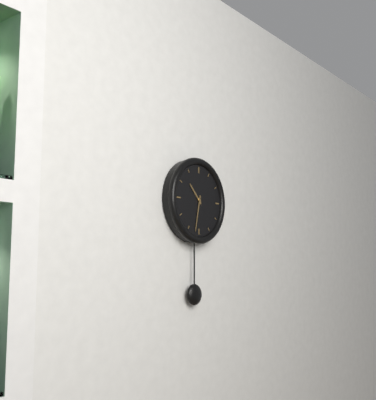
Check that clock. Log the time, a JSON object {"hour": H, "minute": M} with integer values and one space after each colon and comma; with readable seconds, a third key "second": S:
{"hour": 10, "minute": 32}
